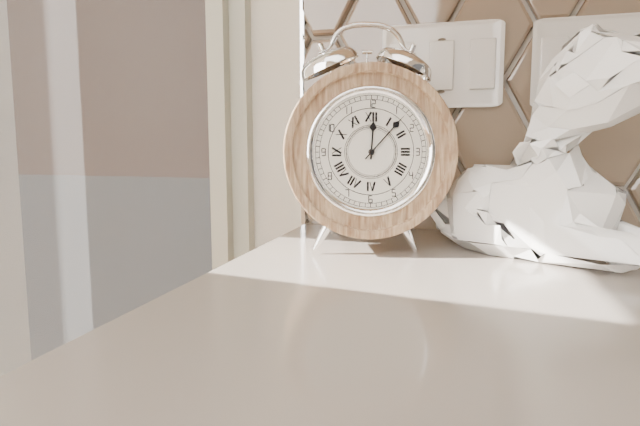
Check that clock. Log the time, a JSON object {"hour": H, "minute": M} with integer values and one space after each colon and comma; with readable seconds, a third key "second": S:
{"hour": 12, "minute": 7}
